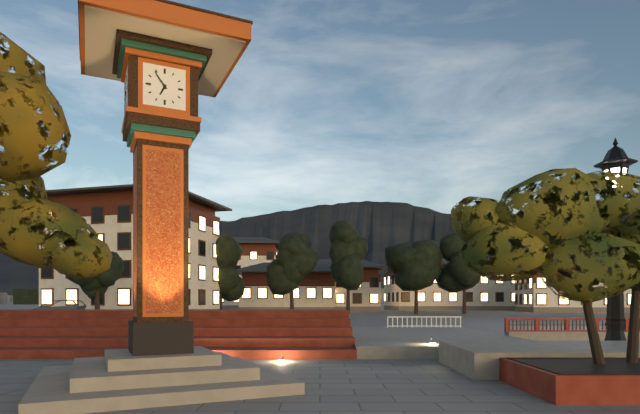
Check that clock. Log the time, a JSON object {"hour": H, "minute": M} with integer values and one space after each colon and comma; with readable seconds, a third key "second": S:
{"hour": 6, "minute": 54}
